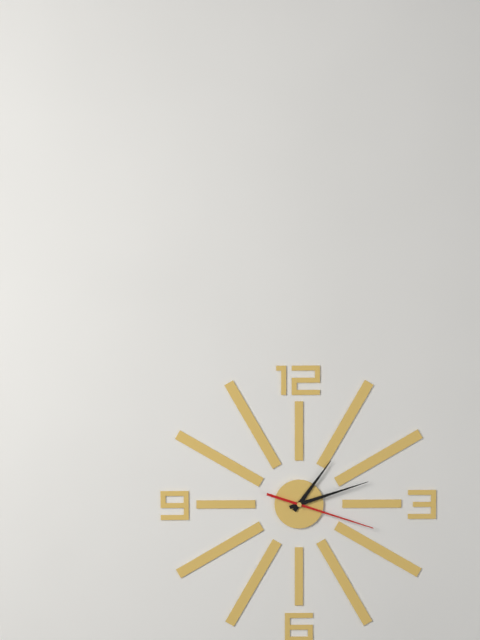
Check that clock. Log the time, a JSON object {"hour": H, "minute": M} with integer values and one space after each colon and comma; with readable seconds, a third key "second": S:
{"hour": 1, "minute": 12, "second": 18}
